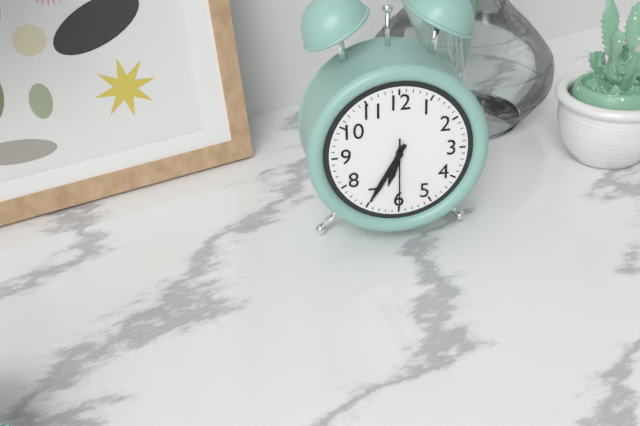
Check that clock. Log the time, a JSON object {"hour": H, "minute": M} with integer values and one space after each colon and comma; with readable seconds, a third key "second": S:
{"hour": 6, "minute": 35, "second": 30}
